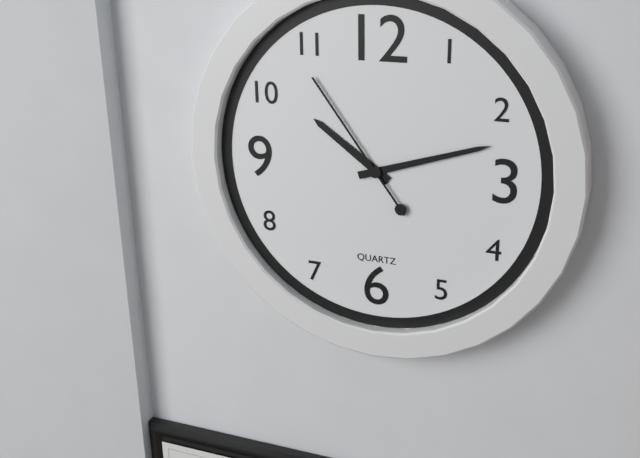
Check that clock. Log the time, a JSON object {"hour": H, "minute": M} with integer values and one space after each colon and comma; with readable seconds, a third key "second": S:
{"hour": 10, "minute": 12, "second": 54}
